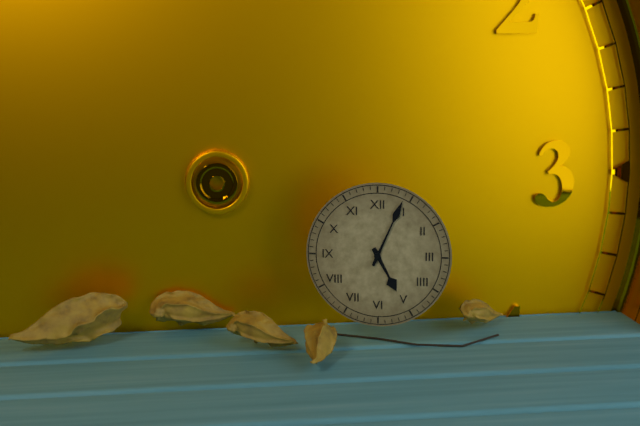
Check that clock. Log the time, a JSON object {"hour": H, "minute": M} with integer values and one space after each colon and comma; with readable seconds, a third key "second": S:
{"hour": 5, "minute": 4}
